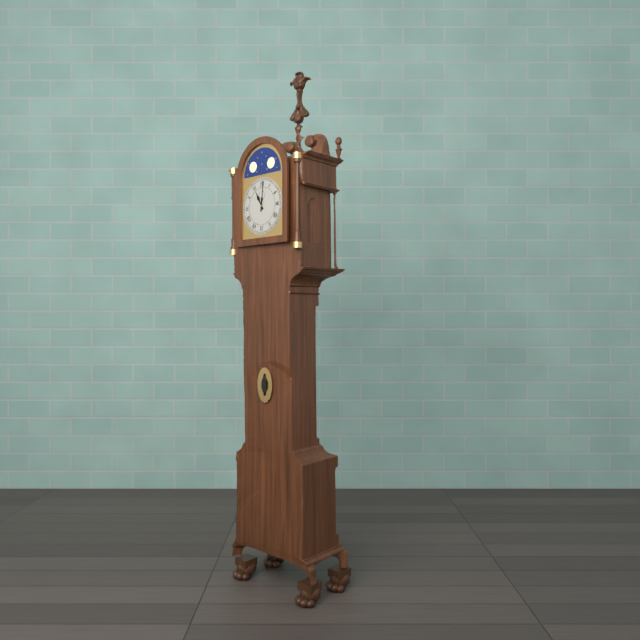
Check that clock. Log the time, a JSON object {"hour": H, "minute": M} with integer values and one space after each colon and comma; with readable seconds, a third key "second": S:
{"hour": 11, "minute": 1}
